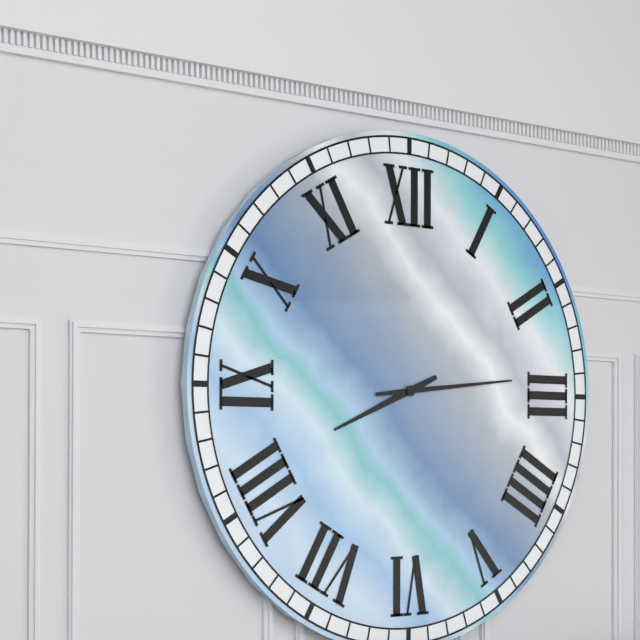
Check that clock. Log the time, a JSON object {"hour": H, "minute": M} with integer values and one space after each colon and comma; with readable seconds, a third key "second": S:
{"hour": 8, "minute": 14}
